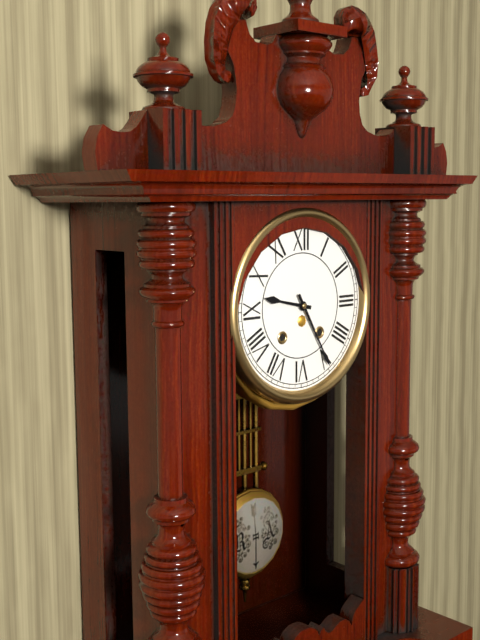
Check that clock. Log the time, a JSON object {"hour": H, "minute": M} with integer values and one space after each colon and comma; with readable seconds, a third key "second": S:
{"hour": 9, "minute": 25}
